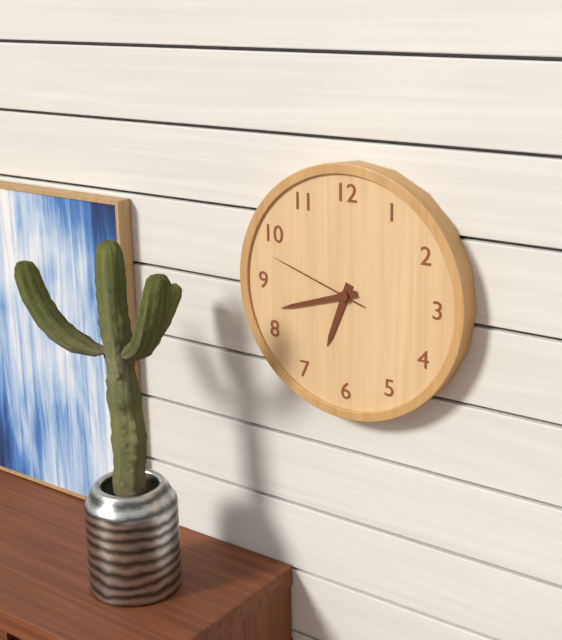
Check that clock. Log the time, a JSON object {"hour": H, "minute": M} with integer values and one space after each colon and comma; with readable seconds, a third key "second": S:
{"hour": 6, "minute": 42, "second": 48}
